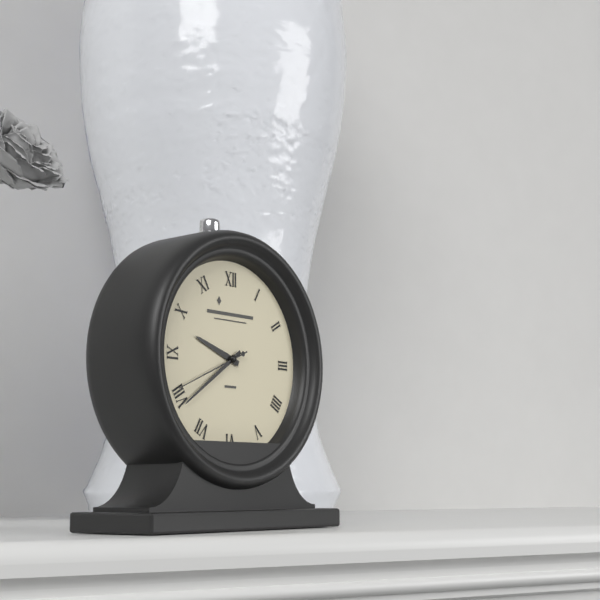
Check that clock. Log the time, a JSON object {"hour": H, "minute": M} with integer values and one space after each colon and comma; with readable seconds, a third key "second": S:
{"hour": 9, "minute": 39, "second": 41}
